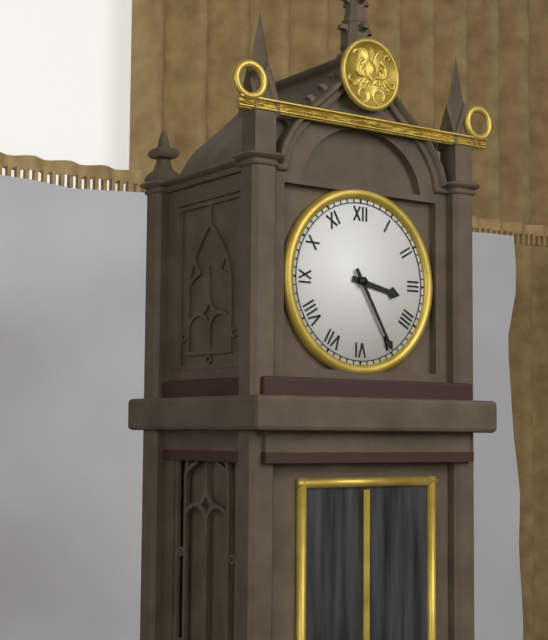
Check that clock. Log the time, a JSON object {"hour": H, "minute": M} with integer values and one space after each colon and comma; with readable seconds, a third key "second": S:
{"hour": 3, "minute": 25}
